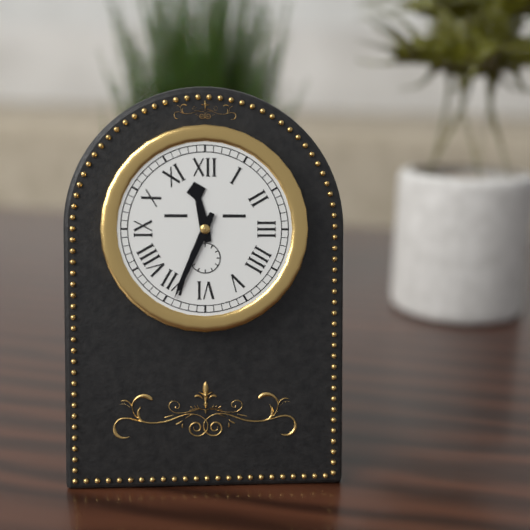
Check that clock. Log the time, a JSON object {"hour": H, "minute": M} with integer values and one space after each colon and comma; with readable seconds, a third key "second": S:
{"hour": 11, "minute": 34}
